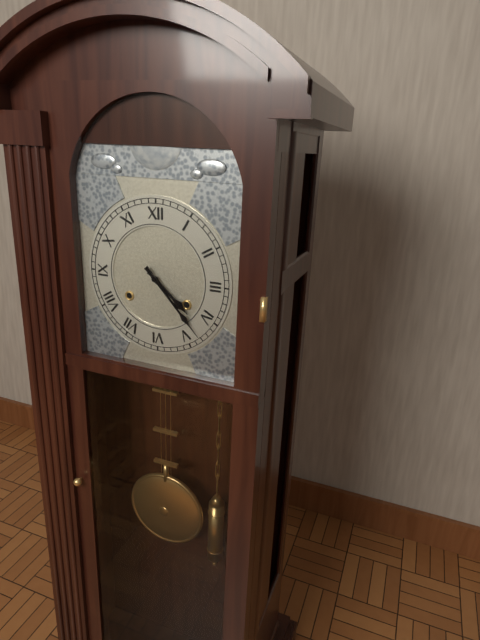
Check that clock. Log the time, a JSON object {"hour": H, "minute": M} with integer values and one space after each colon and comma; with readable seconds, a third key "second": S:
{"hour": 4, "minute": 23}
